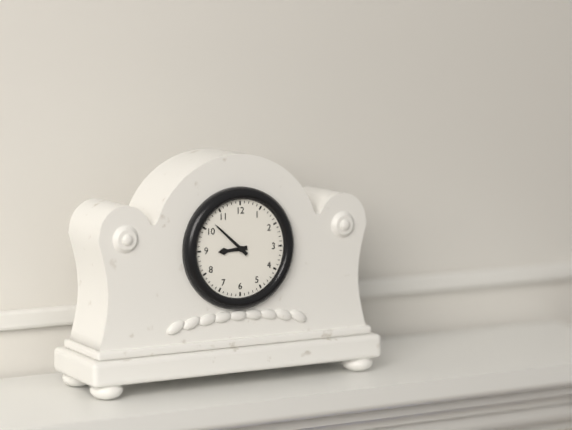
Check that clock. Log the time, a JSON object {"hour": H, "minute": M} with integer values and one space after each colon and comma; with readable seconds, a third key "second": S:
{"hour": 8, "minute": 52}
